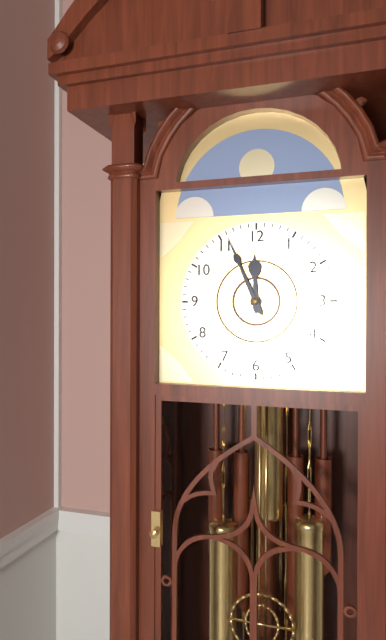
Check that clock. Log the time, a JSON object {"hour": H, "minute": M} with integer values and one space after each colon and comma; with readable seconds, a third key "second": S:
{"hour": 11, "minute": 56}
